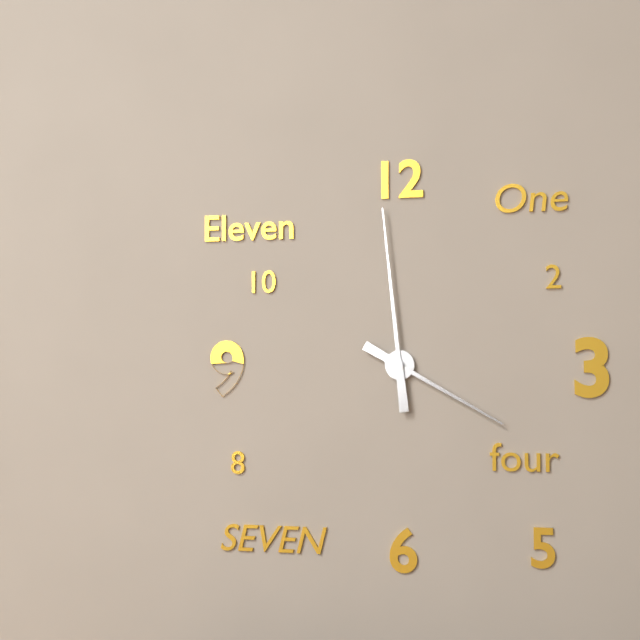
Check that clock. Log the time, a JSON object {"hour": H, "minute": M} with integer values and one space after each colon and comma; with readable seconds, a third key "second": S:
{"hour": 3, "minute": 59}
